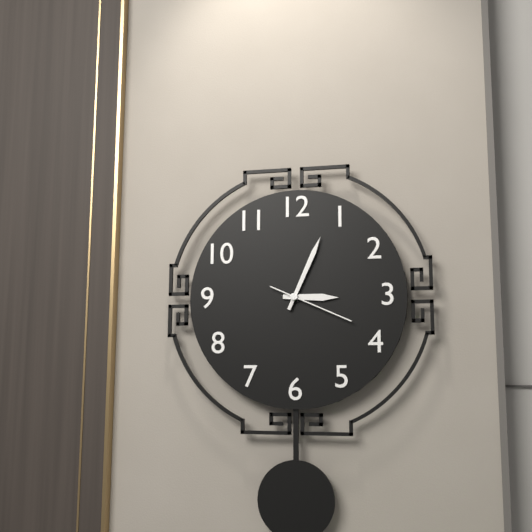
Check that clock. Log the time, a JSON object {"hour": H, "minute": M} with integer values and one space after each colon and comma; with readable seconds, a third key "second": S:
{"hour": 3, "minute": 4, "second": 19}
